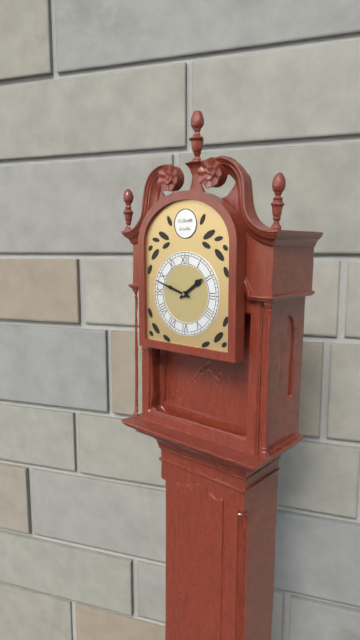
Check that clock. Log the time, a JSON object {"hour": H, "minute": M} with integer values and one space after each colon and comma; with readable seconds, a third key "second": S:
{"hour": 1, "minute": 48}
